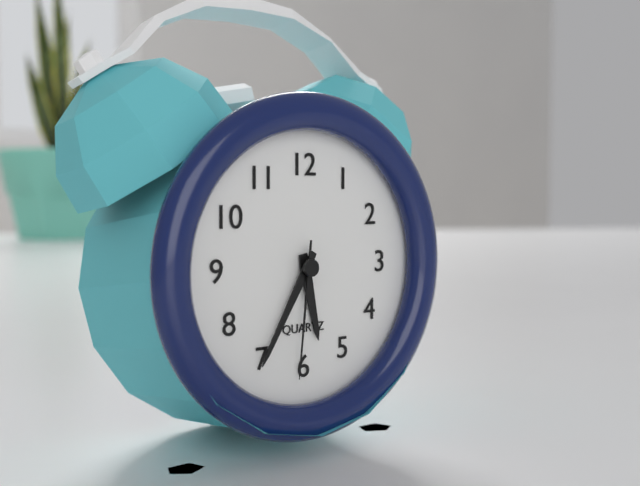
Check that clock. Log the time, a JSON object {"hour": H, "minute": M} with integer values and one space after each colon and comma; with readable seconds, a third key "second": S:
{"hour": 5, "minute": 35, "second": 31}
